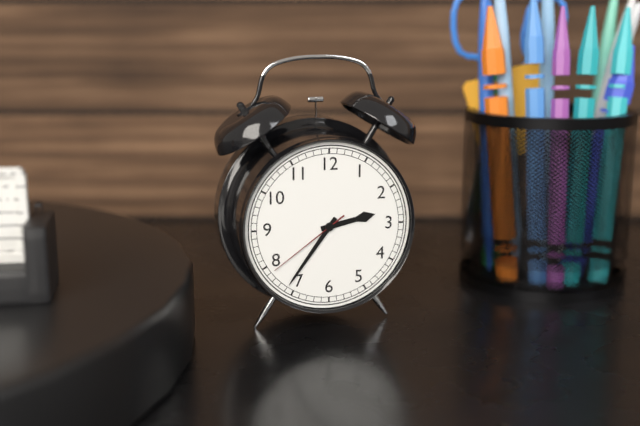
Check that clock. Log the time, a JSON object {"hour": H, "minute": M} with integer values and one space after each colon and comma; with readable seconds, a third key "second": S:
{"hour": 2, "minute": 36, "second": 39}
